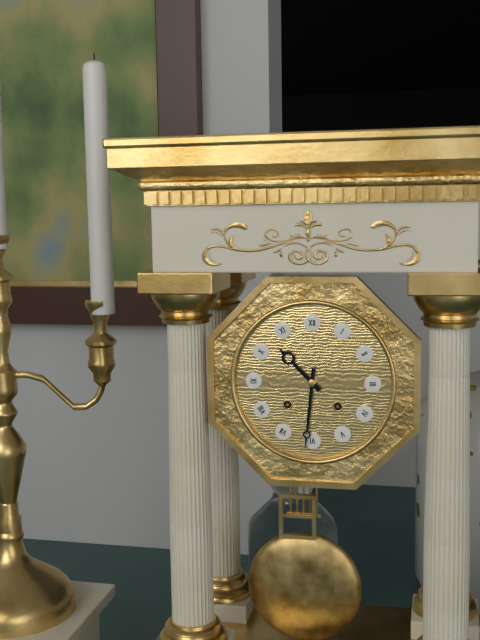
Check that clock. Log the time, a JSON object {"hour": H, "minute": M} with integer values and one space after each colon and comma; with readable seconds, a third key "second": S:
{"hour": 10, "minute": 31}
